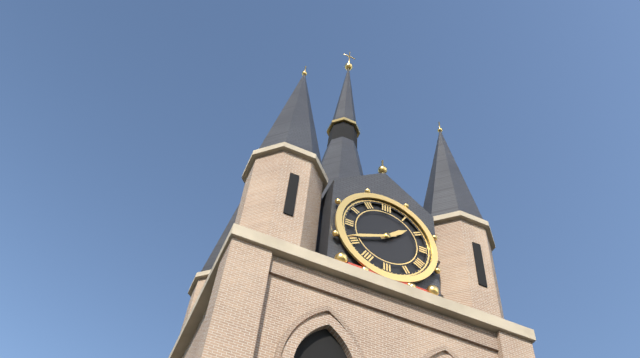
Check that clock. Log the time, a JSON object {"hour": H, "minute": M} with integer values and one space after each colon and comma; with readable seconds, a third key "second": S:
{"hour": 1, "minute": 41}
